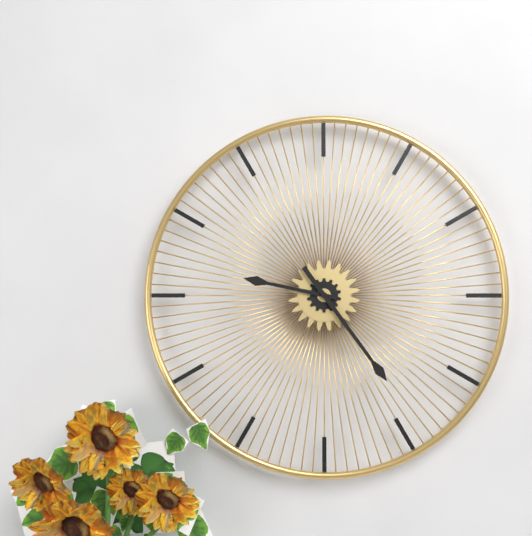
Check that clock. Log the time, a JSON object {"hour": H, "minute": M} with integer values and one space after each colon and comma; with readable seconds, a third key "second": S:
{"hour": 9, "minute": 24}
